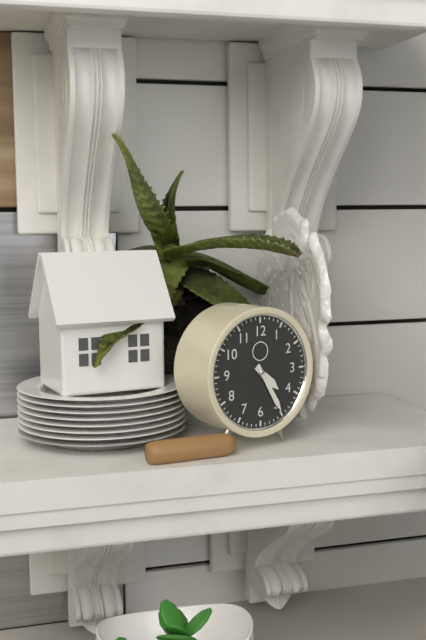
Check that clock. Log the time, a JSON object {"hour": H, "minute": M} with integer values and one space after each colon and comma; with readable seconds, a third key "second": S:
{"hour": 4, "minute": 25}
